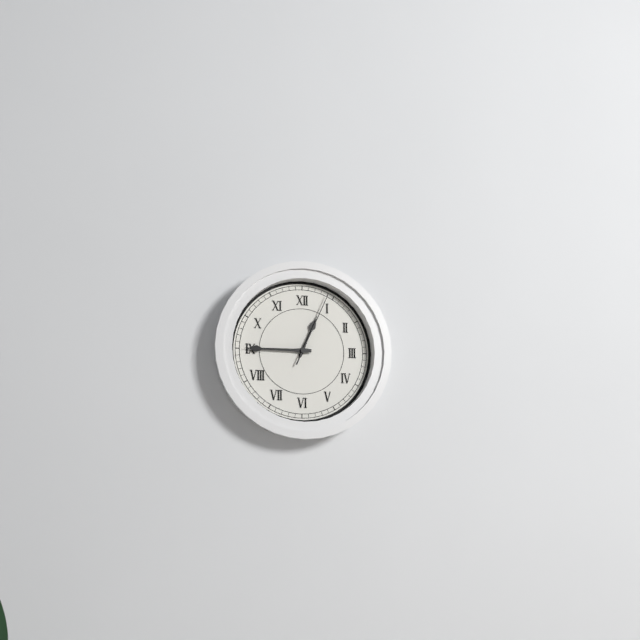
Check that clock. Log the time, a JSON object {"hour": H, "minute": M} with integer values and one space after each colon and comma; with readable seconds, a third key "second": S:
{"hour": 12, "minute": 45, "second": 4}
